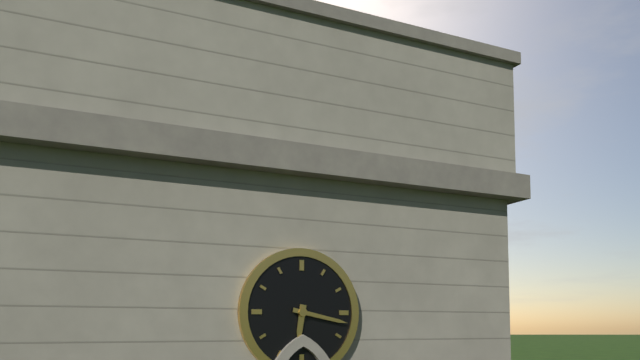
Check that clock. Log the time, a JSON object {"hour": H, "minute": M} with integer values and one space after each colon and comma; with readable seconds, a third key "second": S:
{"hour": 6, "minute": 17}
